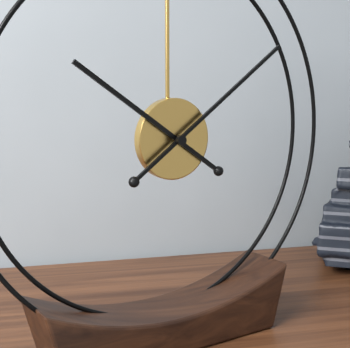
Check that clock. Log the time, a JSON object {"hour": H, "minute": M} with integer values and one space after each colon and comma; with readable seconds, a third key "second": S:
{"hour": 10, "minute": 9}
